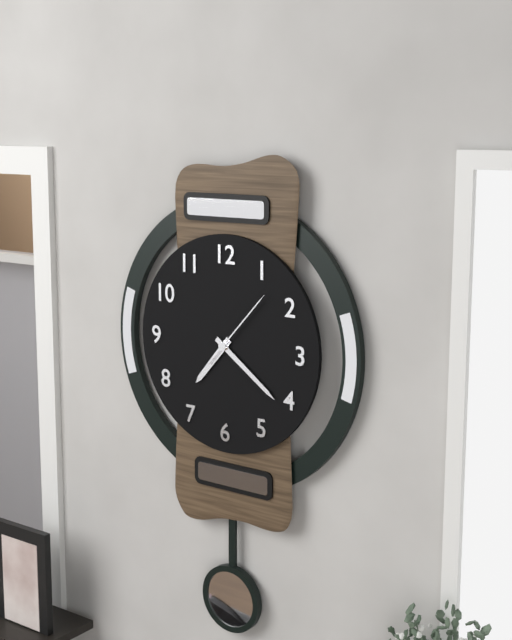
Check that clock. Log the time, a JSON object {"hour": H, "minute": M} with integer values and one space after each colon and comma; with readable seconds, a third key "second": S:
{"hour": 7, "minute": 21, "second": 7}
